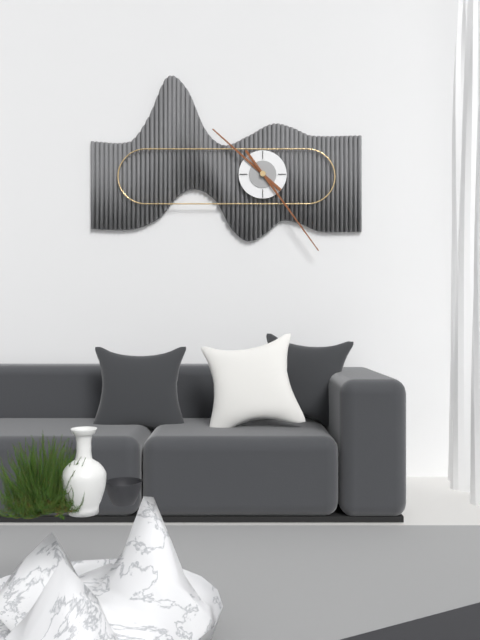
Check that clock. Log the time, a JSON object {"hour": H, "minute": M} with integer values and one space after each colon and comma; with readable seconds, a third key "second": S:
{"hour": 10, "minute": 24}
